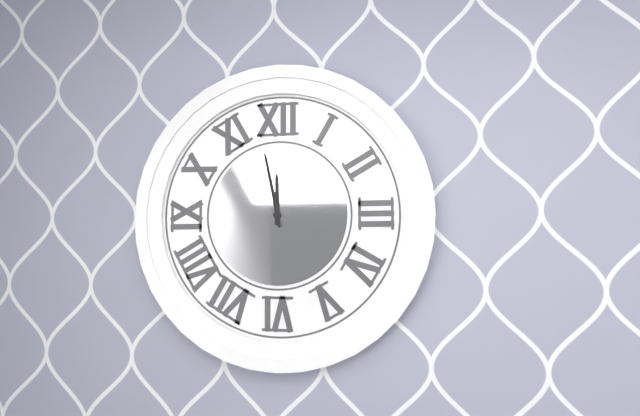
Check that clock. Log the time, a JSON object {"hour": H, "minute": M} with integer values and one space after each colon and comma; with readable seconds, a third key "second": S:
{"hour": 11, "minute": 58}
